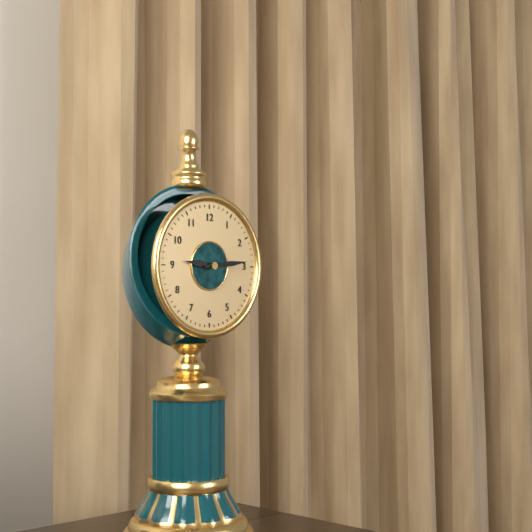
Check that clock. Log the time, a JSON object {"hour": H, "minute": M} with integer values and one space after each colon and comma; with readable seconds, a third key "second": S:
{"hour": 9, "minute": 14}
